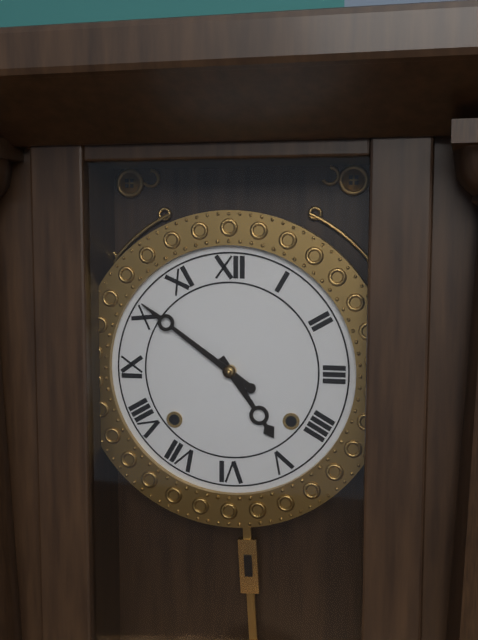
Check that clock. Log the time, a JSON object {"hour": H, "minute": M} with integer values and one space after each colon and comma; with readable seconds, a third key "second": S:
{"hour": 4, "minute": 51}
